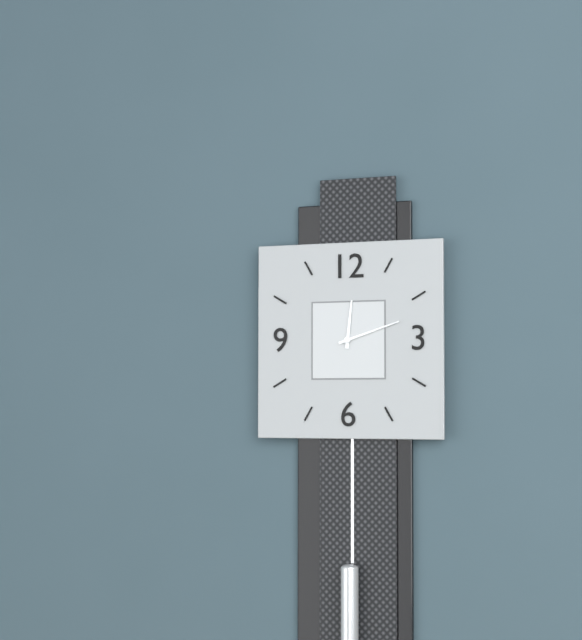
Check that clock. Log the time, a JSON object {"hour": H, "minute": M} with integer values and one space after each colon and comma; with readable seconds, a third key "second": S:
{"hour": 12, "minute": 12}
